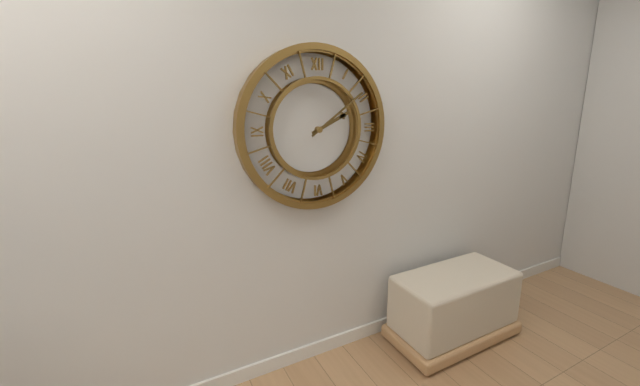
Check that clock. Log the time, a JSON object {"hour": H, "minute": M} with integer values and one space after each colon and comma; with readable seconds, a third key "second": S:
{"hour": 2, "minute": 9}
